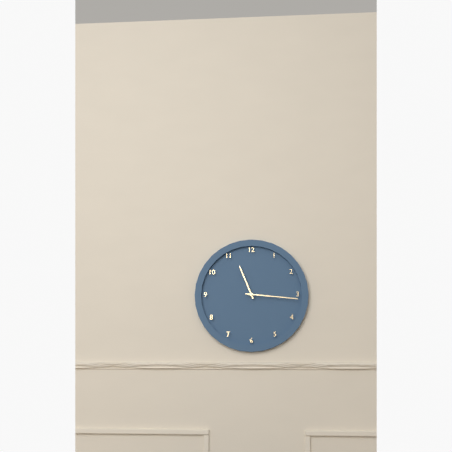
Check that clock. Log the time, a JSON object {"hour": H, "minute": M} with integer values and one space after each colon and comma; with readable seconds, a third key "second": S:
{"hour": 11, "minute": 16}
